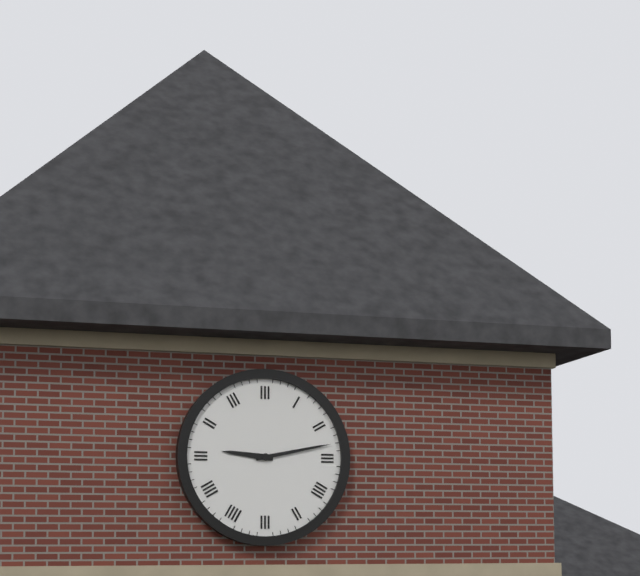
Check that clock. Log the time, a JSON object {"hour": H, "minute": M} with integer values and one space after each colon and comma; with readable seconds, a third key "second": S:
{"hour": 9, "minute": 13}
